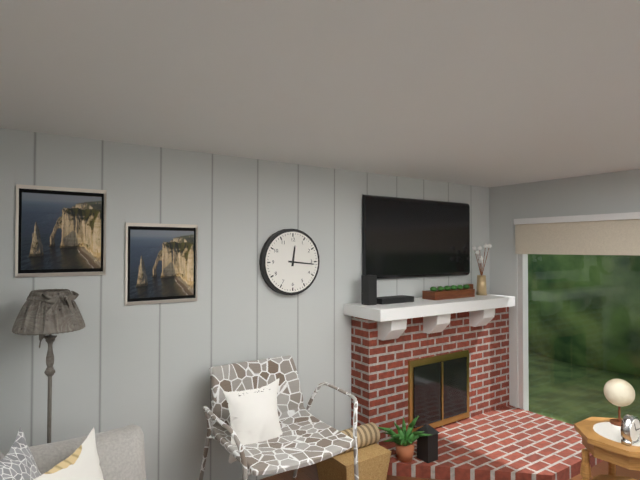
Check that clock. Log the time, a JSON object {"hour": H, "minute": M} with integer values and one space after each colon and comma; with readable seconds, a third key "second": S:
{"hour": 12, "minute": 16}
